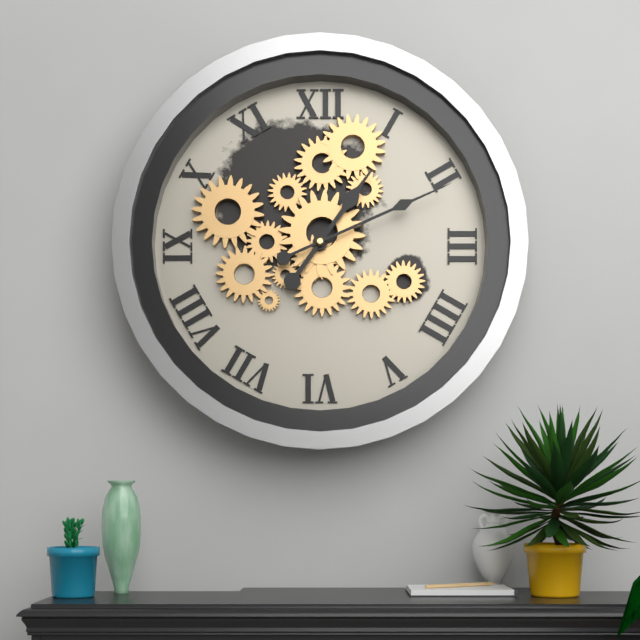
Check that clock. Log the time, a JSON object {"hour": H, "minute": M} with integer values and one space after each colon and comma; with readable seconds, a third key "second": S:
{"hour": 1, "minute": 11}
